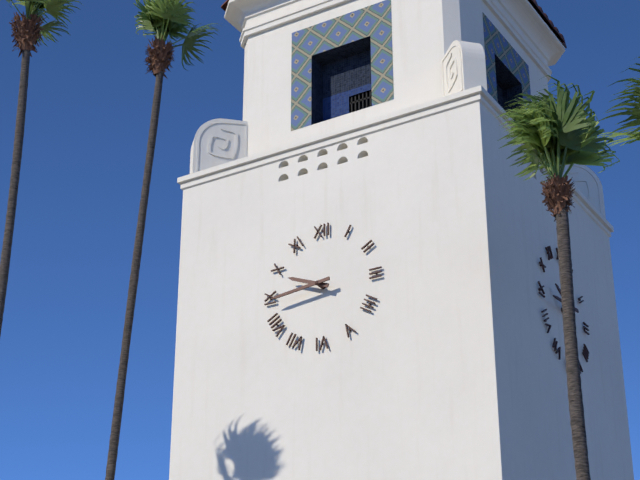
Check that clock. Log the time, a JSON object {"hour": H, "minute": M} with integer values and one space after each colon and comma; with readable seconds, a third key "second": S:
{"hour": 9, "minute": 44}
